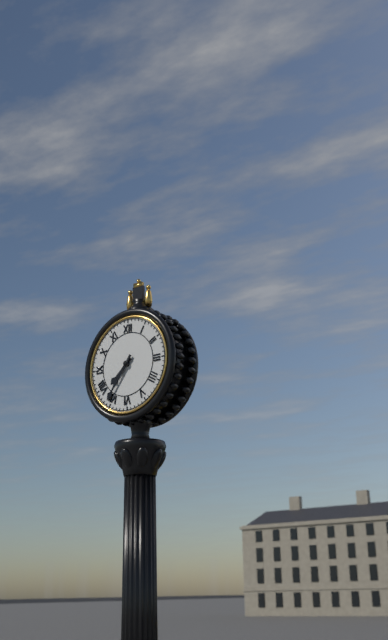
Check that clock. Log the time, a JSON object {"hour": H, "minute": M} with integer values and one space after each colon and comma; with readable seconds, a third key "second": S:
{"hour": 7, "minute": 36}
